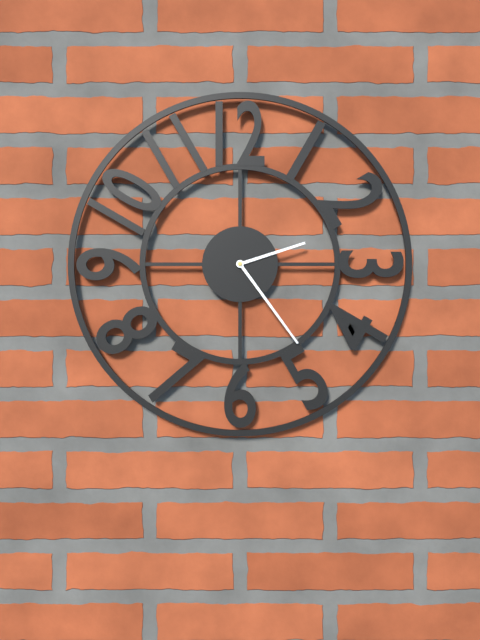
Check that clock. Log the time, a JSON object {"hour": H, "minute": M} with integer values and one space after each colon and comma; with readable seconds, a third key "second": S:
{"hour": 2, "minute": 24}
